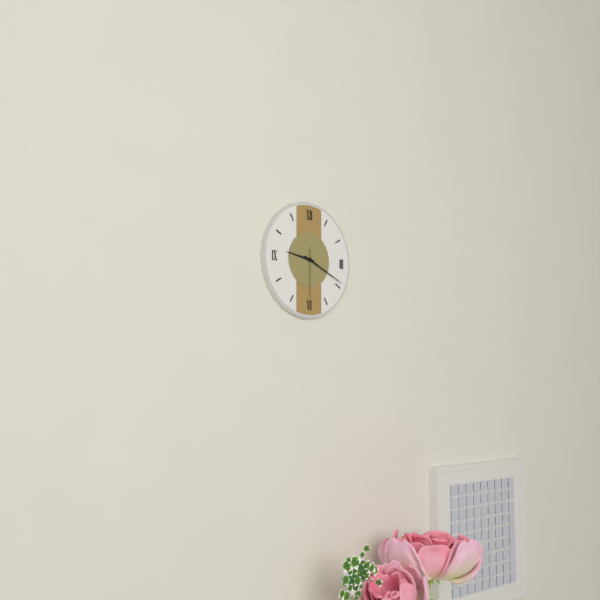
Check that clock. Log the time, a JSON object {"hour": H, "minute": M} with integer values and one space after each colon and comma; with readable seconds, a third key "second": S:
{"hour": 9, "minute": 19, "second": 30}
